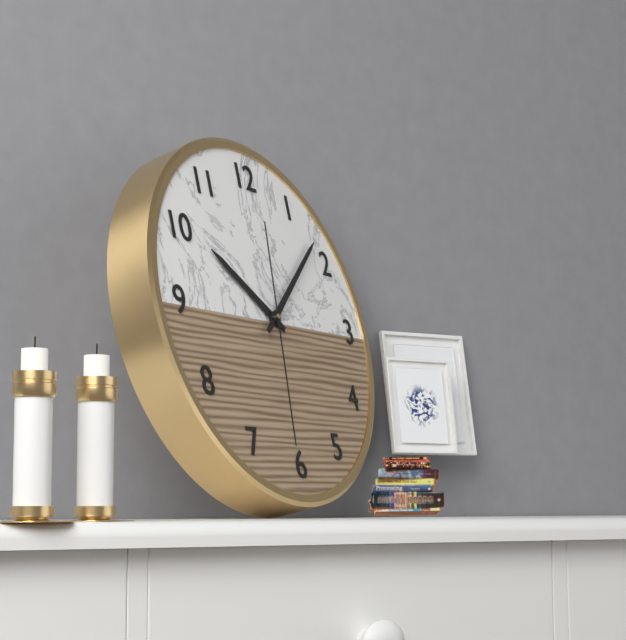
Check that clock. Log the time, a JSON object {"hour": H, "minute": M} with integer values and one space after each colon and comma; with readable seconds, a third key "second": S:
{"hour": 10, "minute": 8, "second": 31}
